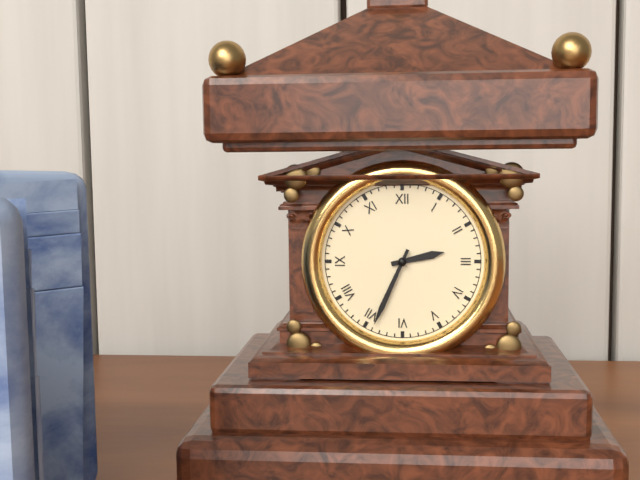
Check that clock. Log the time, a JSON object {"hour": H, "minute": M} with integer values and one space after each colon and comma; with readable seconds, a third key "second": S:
{"hour": 2, "minute": 34}
